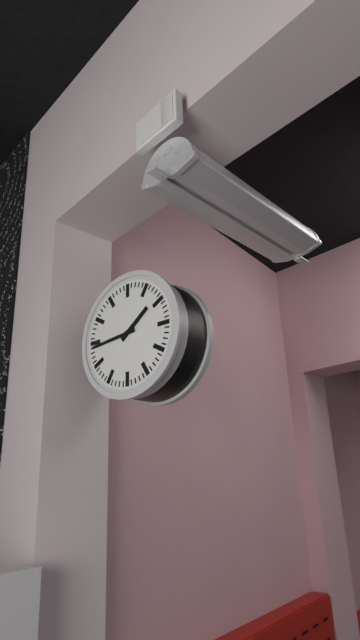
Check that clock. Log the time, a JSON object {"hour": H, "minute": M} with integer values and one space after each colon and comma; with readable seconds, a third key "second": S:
{"hour": 1, "minute": 44}
